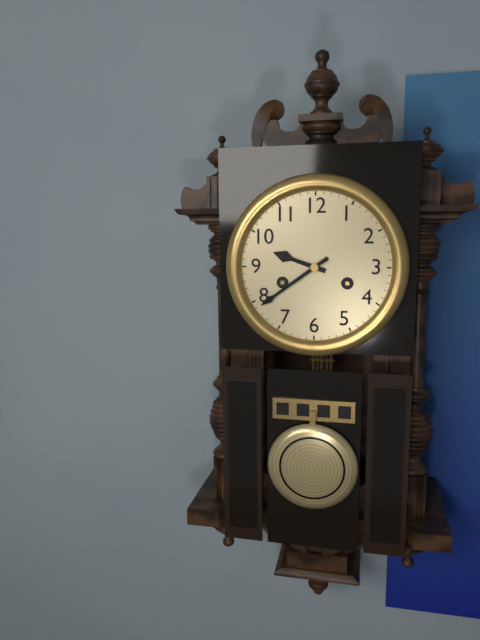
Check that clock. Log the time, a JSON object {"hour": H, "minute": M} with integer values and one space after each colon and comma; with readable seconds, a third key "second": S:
{"hour": 9, "minute": 39}
